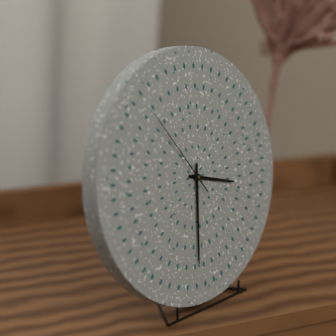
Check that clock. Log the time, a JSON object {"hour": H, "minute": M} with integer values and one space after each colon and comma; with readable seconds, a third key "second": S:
{"hour": 3, "minute": 31, "second": 54}
